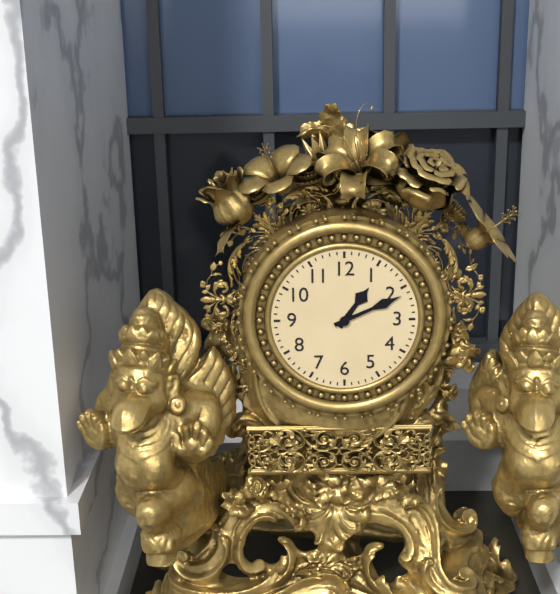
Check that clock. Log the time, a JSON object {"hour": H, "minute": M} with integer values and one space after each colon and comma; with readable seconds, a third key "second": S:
{"hour": 1, "minute": 11}
